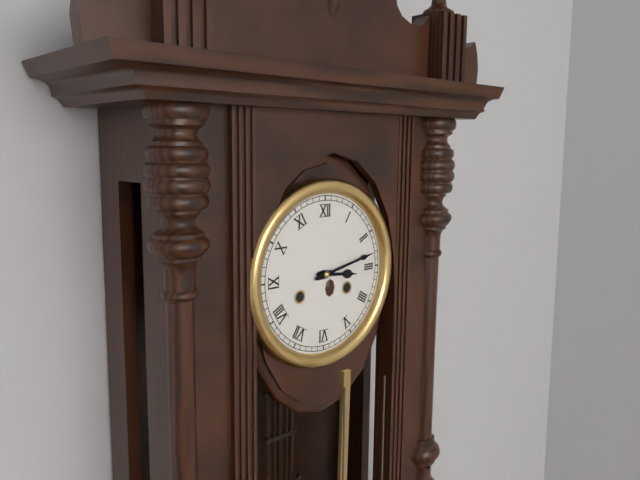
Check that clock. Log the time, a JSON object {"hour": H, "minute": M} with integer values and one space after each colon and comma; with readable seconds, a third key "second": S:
{"hour": 3, "minute": 13}
